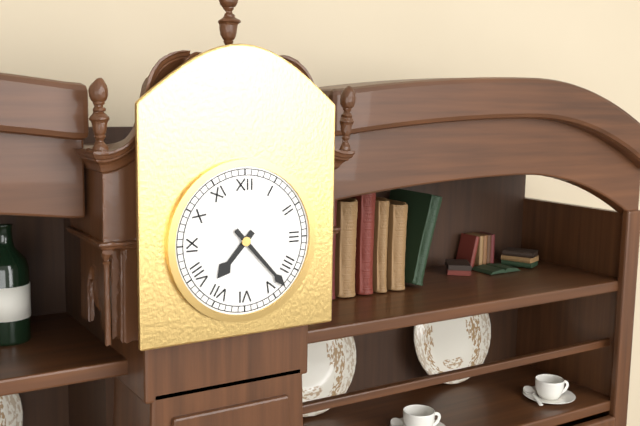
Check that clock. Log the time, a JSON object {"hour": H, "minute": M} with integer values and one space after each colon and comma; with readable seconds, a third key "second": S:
{"hour": 7, "minute": 23}
